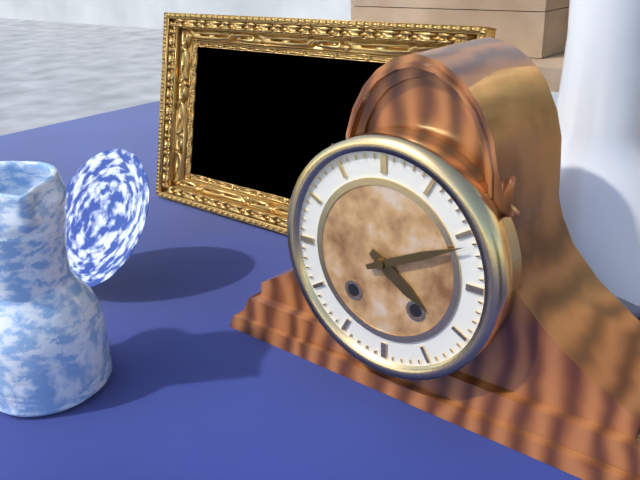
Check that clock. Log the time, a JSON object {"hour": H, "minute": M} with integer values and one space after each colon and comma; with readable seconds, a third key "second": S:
{"hour": 4, "minute": 11}
